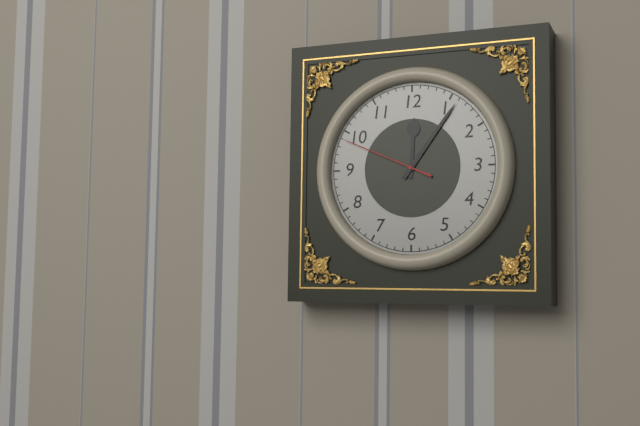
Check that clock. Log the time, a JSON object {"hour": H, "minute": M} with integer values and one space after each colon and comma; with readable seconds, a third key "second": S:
{"hour": 12, "minute": 6, "second": 49}
